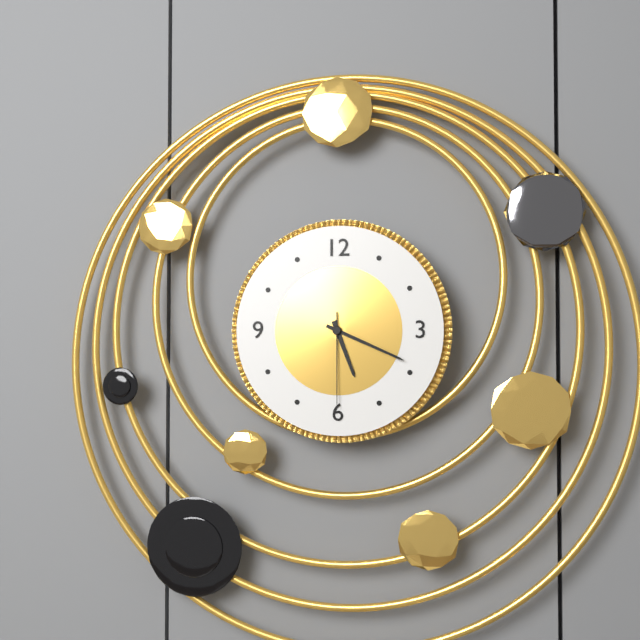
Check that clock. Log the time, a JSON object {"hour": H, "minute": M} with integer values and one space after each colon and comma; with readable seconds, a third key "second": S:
{"hour": 5, "minute": 19, "second": 30}
